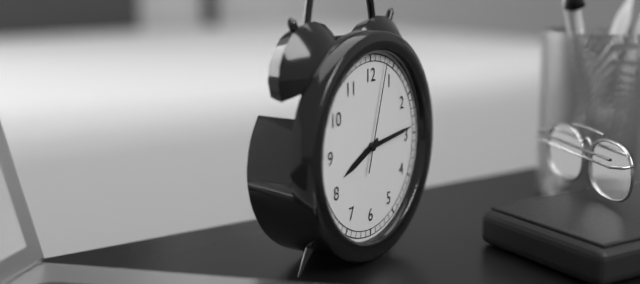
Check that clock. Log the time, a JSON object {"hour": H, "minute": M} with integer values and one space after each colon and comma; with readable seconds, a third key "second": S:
{"hour": 8, "minute": 14, "second": 3}
